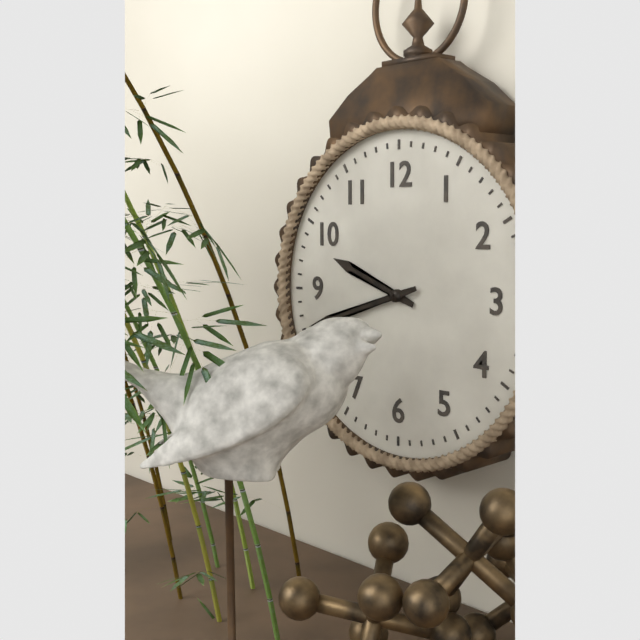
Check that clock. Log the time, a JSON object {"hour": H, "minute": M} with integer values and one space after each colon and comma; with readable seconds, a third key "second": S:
{"hour": 9, "minute": 42}
